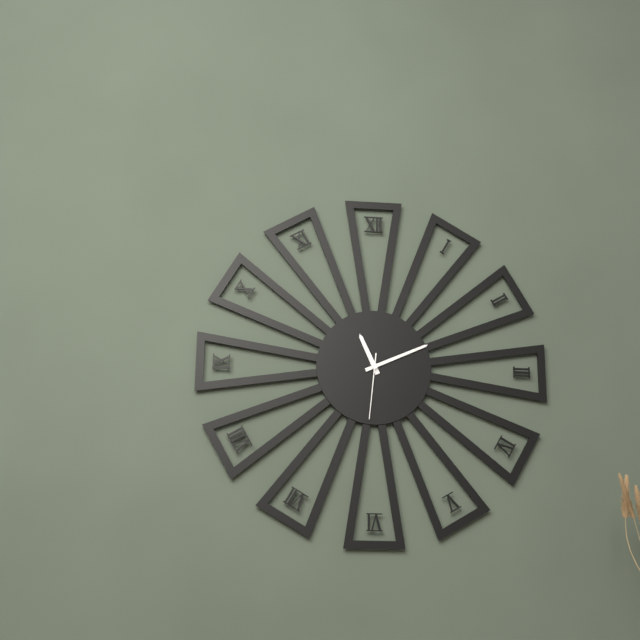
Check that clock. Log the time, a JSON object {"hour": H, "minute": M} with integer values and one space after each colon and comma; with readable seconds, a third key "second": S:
{"hour": 11, "minute": 11, "second": 31}
